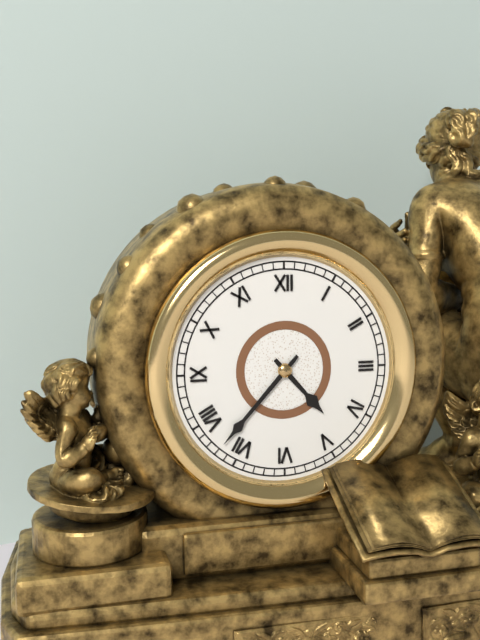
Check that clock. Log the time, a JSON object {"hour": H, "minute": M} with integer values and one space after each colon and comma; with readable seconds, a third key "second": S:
{"hour": 4, "minute": 37}
